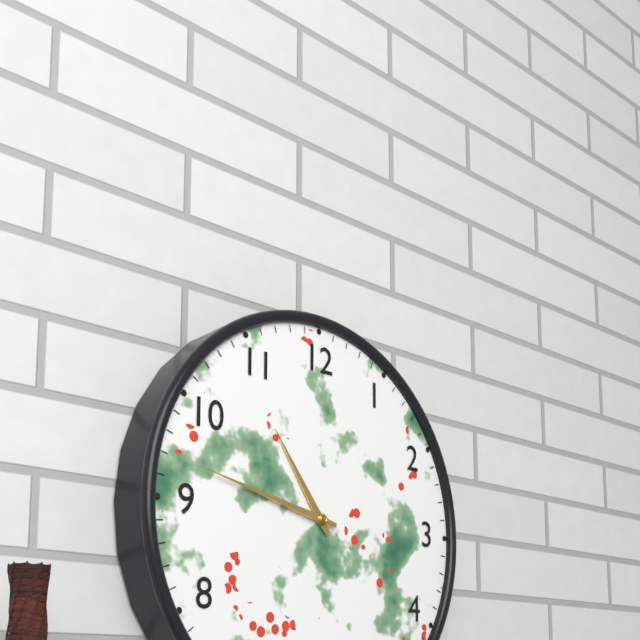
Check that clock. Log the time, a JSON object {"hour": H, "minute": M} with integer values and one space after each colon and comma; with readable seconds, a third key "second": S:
{"hour": 10, "minute": 47}
